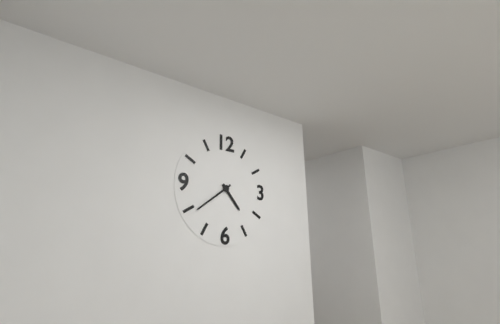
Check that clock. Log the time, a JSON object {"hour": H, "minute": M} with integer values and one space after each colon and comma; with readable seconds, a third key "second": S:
{"hour": 4, "minute": 39}
